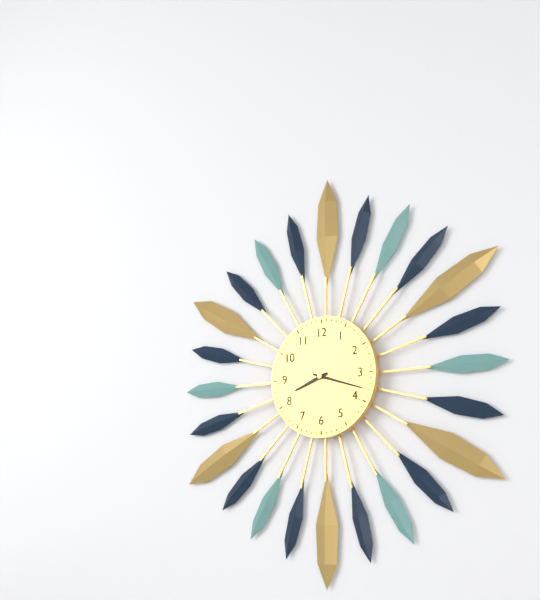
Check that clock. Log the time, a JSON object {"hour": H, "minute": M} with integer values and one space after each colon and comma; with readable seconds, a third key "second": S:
{"hour": 8, "minute": 18}
